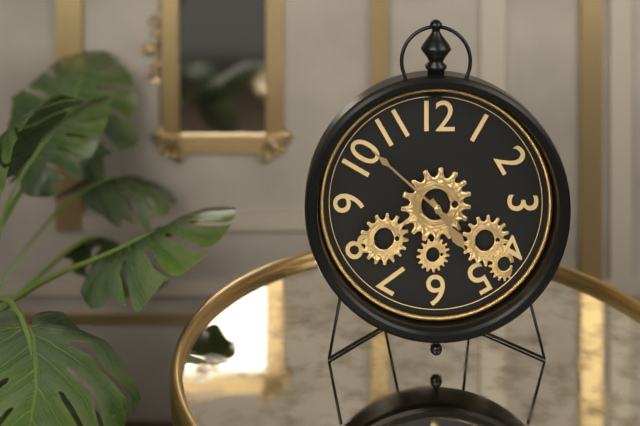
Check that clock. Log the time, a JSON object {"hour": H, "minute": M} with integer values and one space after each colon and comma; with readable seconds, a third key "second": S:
{"hour": 4, "minute": 52}
